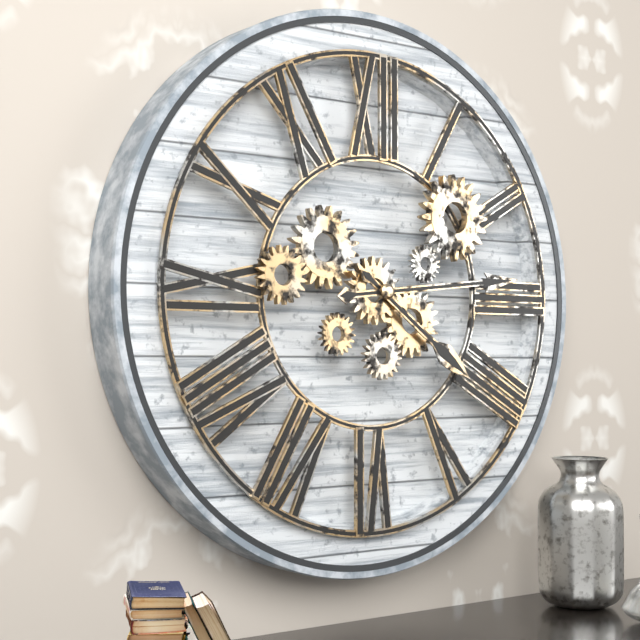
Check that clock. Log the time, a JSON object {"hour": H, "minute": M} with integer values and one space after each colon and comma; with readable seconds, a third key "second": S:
{"hour": 4, "minute": 14}
